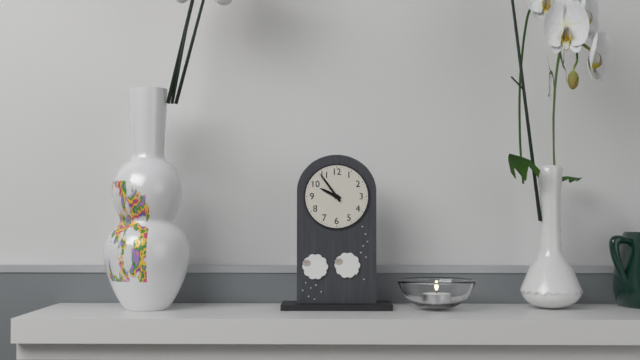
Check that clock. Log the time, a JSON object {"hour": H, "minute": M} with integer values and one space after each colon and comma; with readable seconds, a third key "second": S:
{"hour": 9, "minute": 54}
